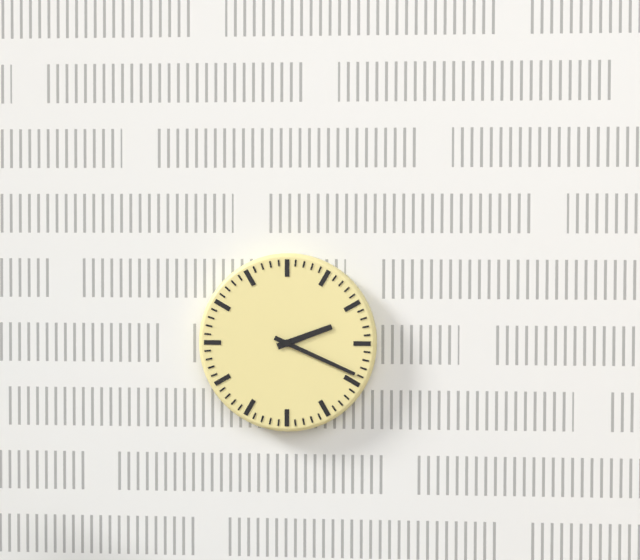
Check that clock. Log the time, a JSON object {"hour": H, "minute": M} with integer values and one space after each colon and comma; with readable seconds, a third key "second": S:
{"hour": 2, "minute": 19}
